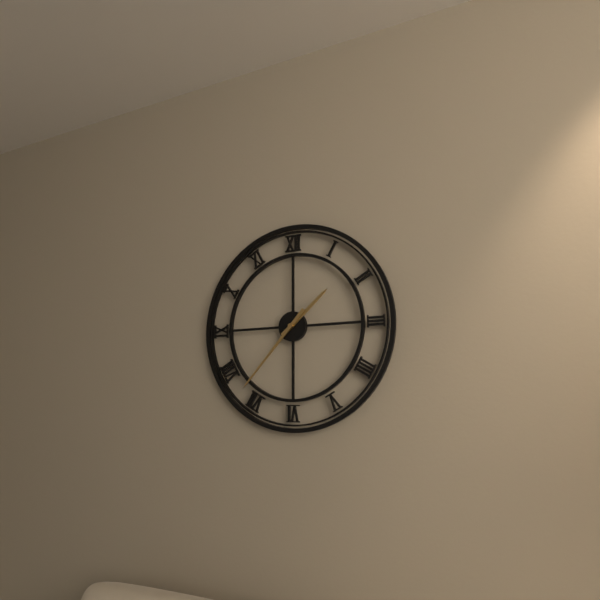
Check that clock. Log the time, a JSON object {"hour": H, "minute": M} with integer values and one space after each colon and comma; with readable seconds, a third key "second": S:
{"hour": 1, "minute": 37}
